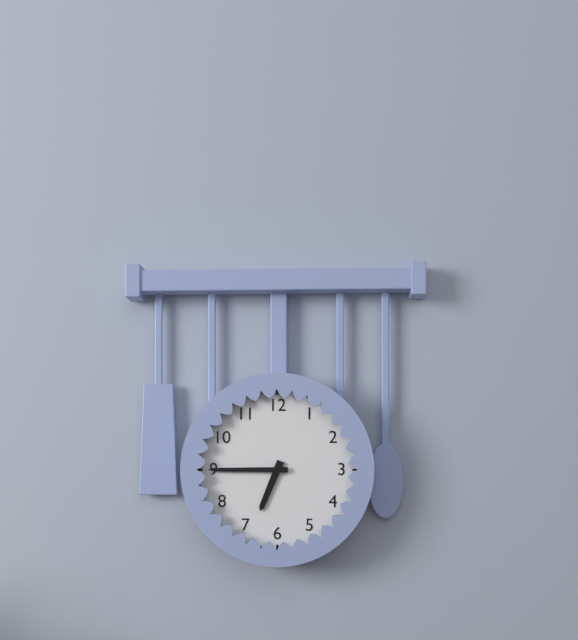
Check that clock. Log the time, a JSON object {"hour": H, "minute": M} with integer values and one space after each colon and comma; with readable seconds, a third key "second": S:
{"hour": 6, "minute": 45}
